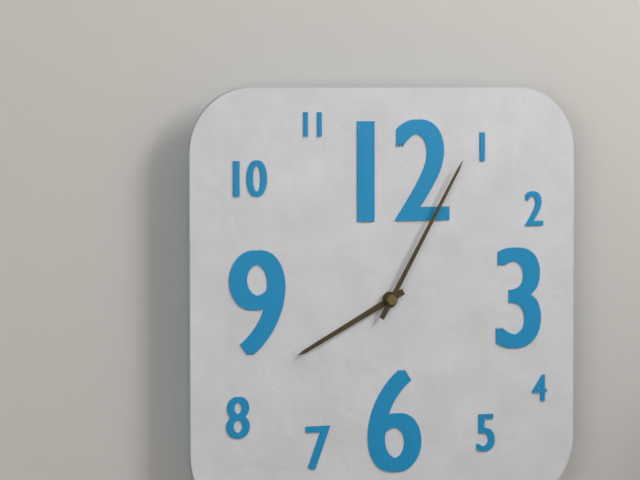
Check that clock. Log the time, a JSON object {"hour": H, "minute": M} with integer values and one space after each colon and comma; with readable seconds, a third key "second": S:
{"hour": 8, "minute": 5}
